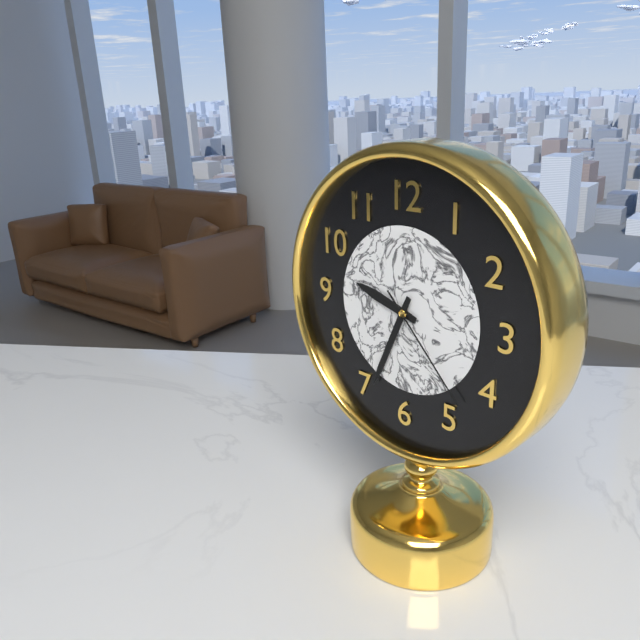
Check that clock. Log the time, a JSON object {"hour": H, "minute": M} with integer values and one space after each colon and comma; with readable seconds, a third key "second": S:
{"hour": 9, "minute": 34, "second": 23}
